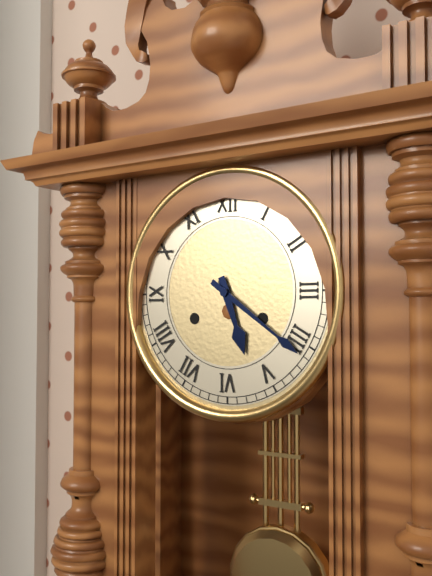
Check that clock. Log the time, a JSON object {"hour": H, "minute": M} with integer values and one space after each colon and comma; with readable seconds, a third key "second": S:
{"hour": 5, "minute": 21}
